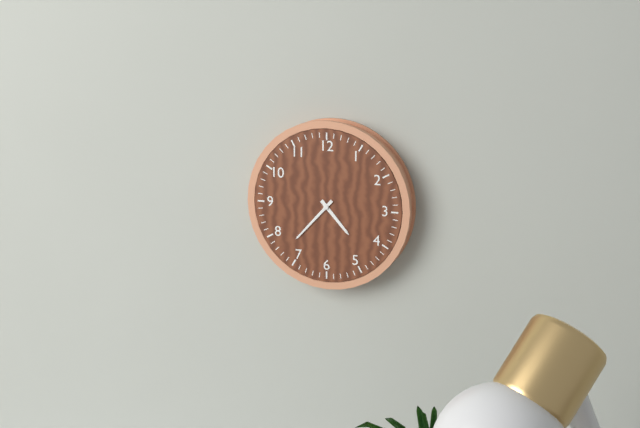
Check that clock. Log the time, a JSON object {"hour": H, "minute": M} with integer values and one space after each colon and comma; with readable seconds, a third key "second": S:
{"hour": 4, "minute": 37}
